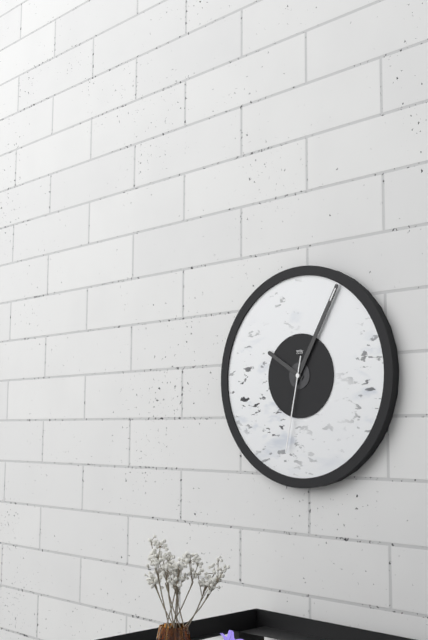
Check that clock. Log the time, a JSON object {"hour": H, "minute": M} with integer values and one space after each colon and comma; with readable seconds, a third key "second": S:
{"hour": 10, "minute": 5, "second": 32}
